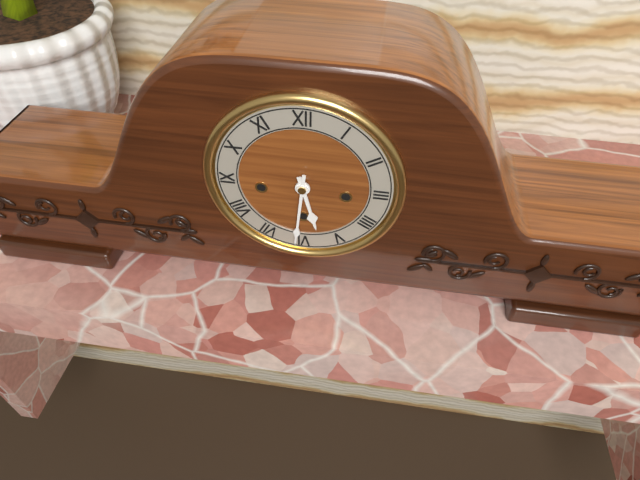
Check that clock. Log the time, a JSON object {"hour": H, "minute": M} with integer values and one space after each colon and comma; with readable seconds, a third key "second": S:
{"hour": 5, "minute": 31}
